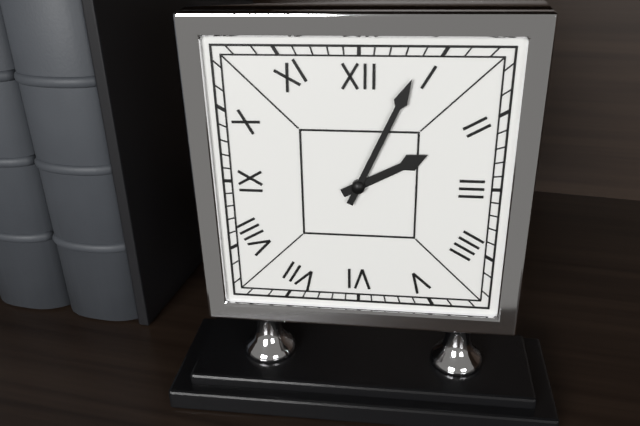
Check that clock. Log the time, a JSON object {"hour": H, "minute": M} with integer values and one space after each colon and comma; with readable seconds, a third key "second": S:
{"hour": 2, "minute": 4}
